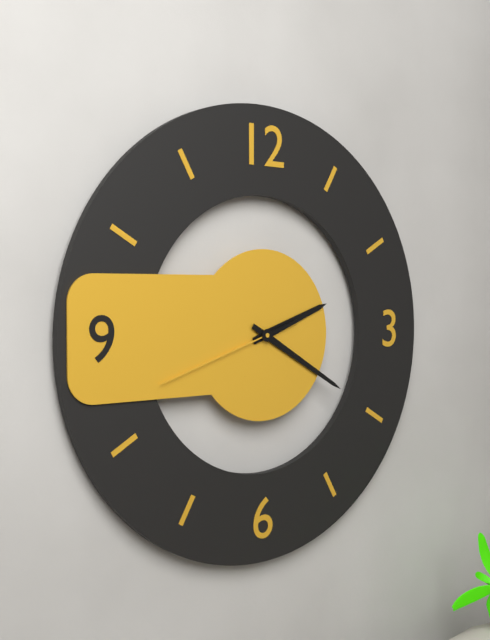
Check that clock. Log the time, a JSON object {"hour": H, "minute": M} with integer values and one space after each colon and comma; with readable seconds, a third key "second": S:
{"hour": 2, "minute": 20, "second": 42}
